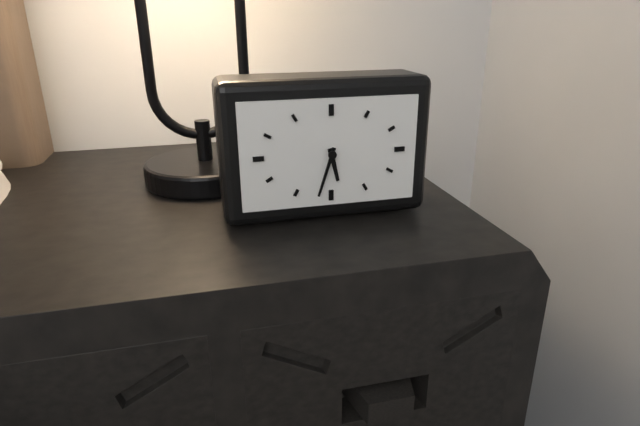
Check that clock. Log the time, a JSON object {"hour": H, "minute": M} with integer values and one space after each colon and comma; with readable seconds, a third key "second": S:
{"hour": 5, "minute": 33}
